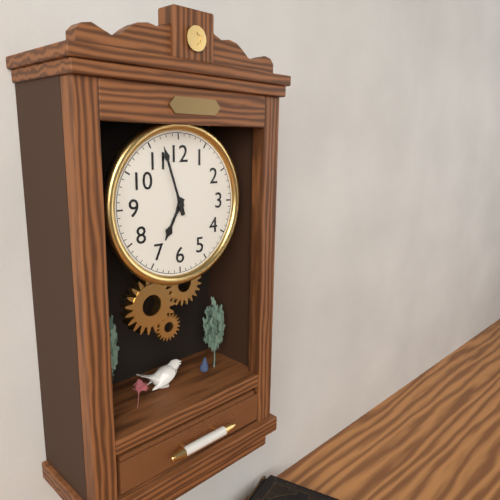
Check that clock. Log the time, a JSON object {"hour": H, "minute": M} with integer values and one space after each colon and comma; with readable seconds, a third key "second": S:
{"hour": 6, "minute": 57}
